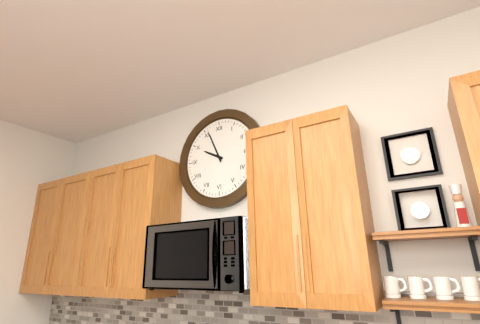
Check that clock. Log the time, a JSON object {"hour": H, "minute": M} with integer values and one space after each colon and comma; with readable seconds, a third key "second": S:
{"hour": 9, "minute": 56}
